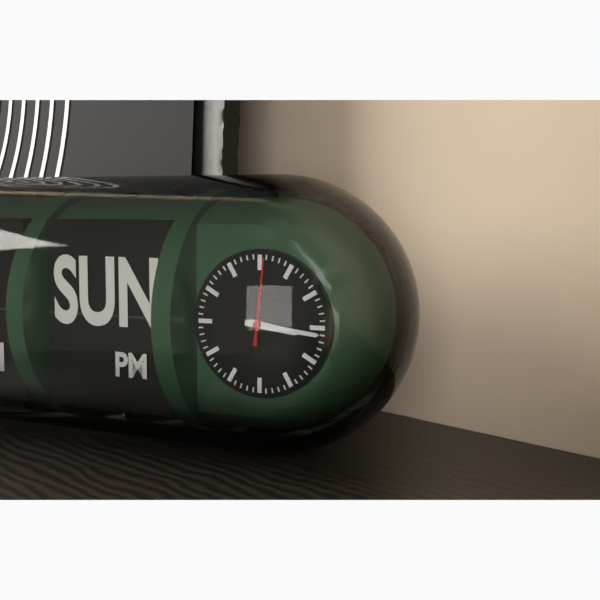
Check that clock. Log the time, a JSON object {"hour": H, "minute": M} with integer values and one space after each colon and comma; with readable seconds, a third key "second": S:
{"hour": 3, "minute": 16, "second": 1}
